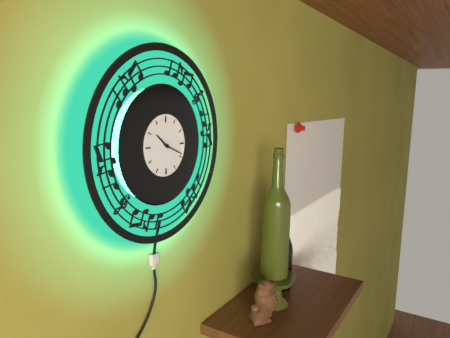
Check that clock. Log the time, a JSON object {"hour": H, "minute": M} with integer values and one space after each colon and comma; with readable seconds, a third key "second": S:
{"hour": 10, "minute": 19}
